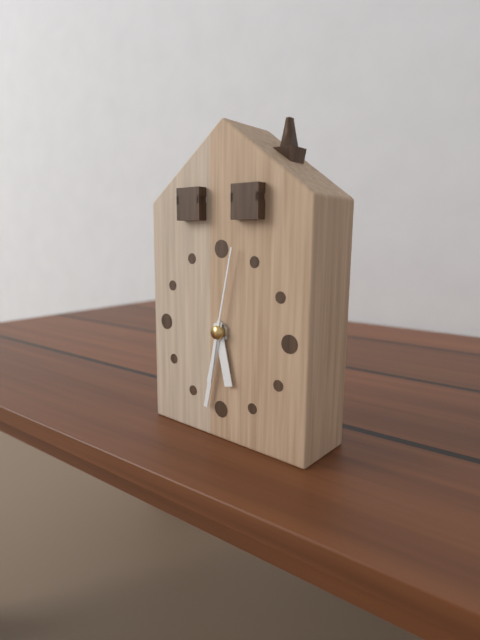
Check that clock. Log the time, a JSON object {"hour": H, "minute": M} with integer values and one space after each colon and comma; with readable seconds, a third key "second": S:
{"hour": 5, "minute": 32, "second": 2}
